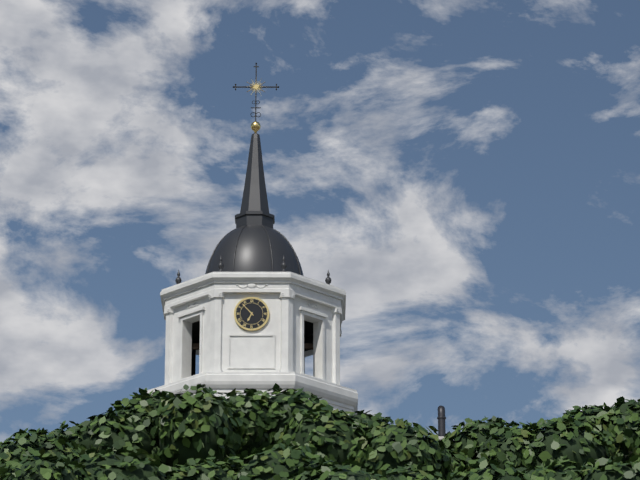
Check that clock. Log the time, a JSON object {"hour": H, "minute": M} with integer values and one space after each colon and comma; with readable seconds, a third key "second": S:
{"hour": 6, "minute": 53}
